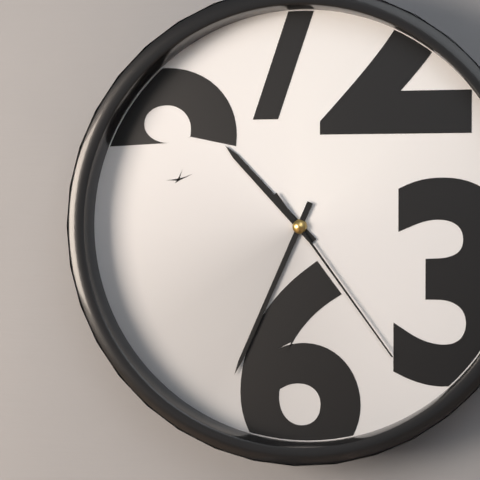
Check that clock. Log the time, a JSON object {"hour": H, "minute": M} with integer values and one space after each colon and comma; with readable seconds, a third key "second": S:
{"hour": 10, "minute": 34, "second": 24}
